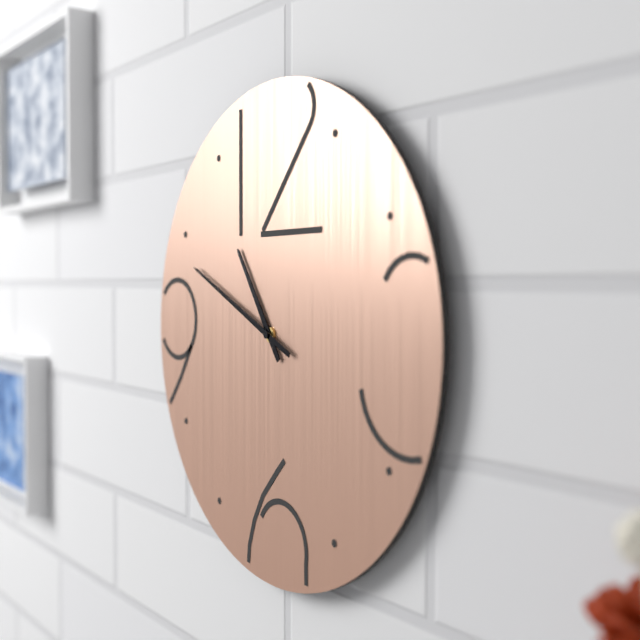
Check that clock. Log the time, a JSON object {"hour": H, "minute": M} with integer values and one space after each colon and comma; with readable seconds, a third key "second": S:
{"hour": 10, "minute": 49}
